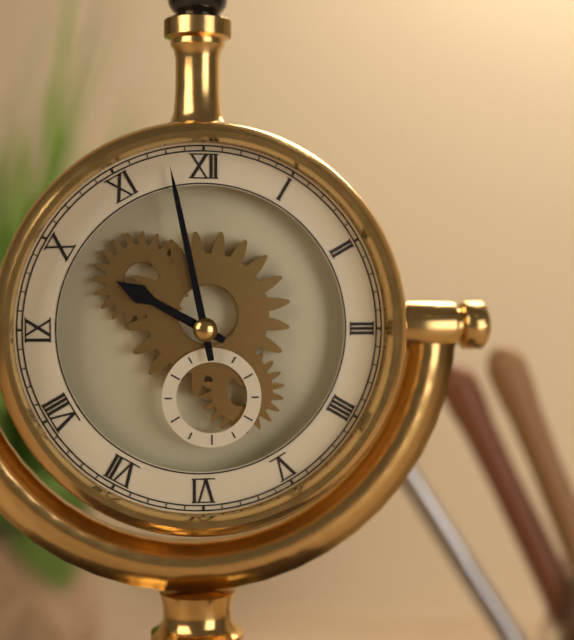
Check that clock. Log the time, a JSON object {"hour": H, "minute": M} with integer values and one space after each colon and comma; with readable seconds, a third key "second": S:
{"hour": 9, "minute": 58}
